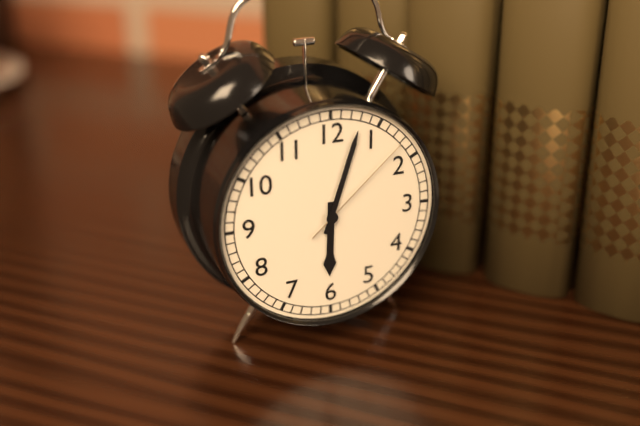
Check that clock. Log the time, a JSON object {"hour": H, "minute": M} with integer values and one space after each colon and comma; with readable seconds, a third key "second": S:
{"hour": 6, "minute": 3, "second": 8}
